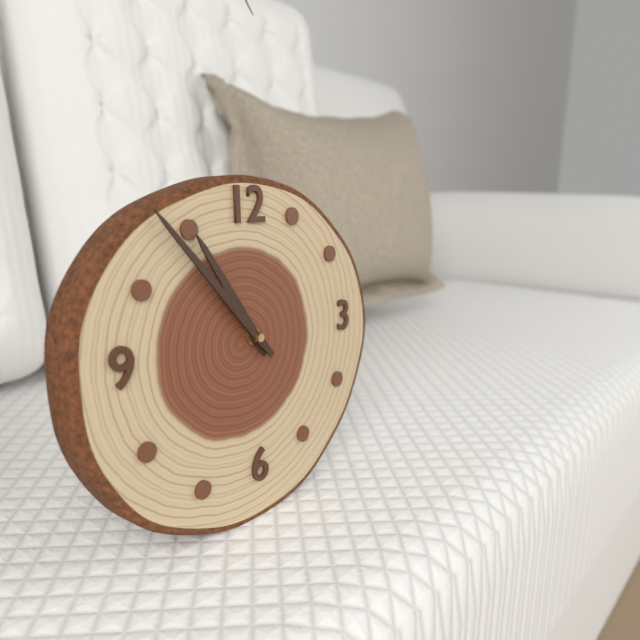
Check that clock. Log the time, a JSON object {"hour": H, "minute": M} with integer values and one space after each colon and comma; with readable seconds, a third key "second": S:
{"hour": 10, "minute": 53}
